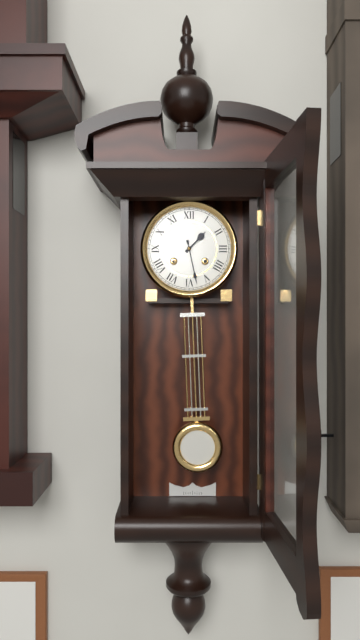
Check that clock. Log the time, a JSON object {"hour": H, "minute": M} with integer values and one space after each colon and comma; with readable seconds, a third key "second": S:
{"hour": 1, "minute": 28}
